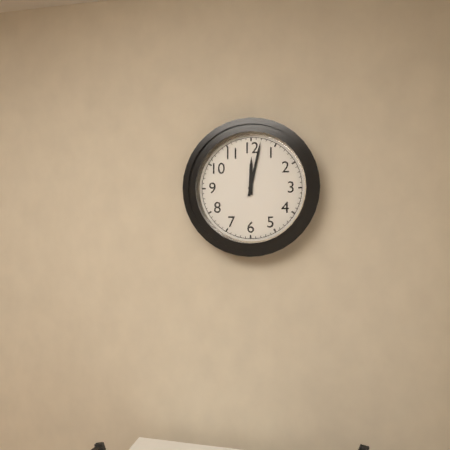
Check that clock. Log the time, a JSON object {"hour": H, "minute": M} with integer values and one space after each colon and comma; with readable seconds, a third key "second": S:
{"hour": 12, "minute": 2}
